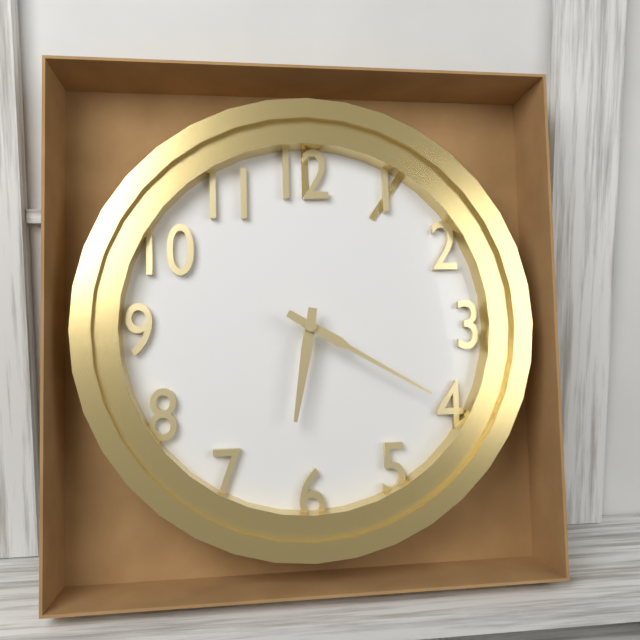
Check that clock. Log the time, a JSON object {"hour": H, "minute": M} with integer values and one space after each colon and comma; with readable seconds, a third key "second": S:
{"hour": 6, "minute": 20}
